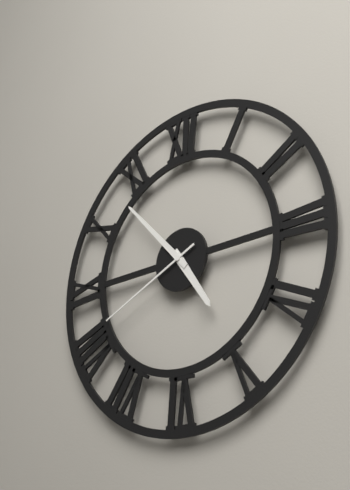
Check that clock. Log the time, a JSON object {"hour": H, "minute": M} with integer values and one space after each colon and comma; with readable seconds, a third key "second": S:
{"hour": 4, "minute": 53, "second": 41}
